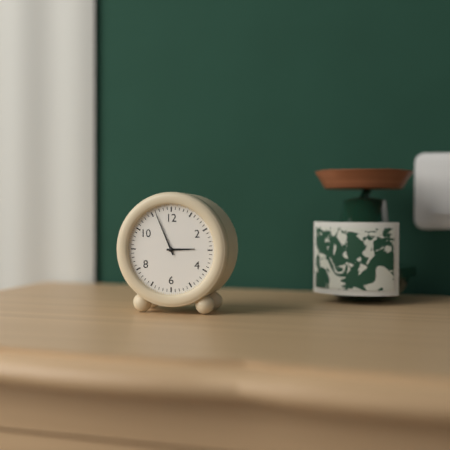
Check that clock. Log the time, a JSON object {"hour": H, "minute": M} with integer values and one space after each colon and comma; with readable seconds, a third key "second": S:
{"hour": 2, "minute": 56}
